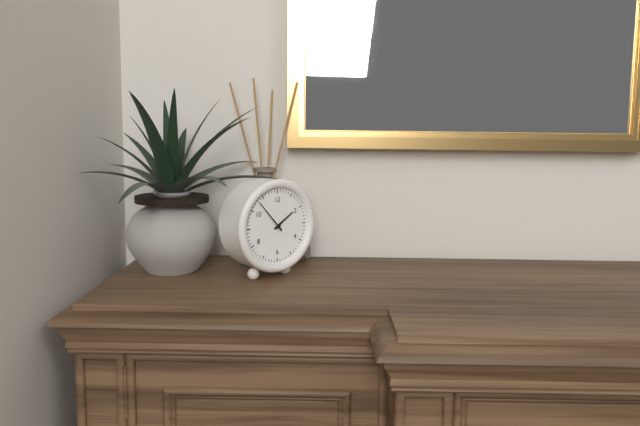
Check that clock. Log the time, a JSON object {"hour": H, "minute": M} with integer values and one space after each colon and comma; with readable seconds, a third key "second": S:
{"hour": 1, "minute": 53}
